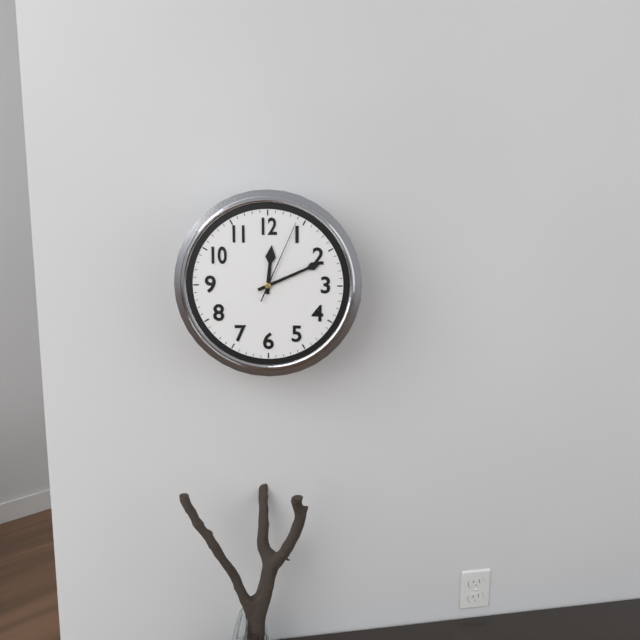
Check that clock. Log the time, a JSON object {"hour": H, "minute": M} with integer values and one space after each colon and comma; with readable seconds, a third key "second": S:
{"hour": 12, "minute": 11, "second": 4}
